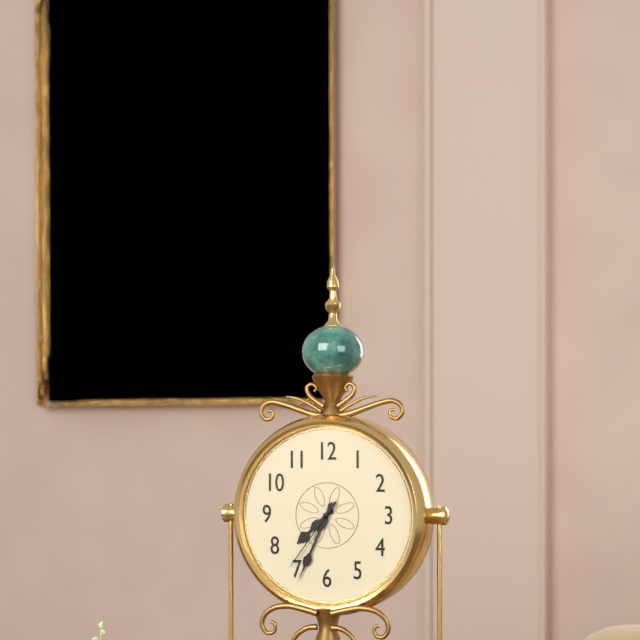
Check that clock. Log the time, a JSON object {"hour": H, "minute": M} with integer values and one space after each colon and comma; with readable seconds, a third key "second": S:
{"hour": 7, "minute": 34, "second": 36}
